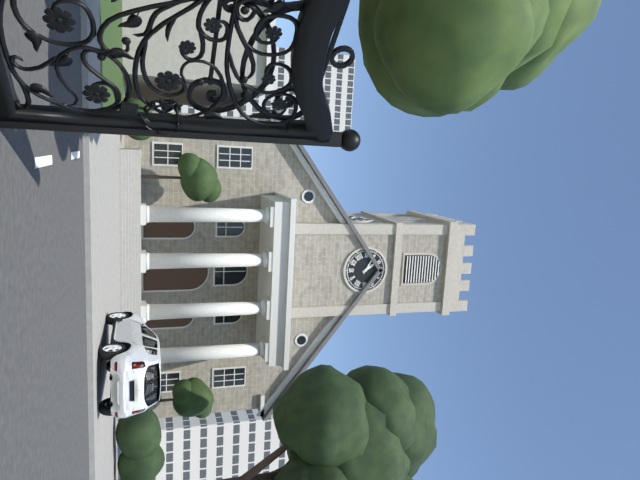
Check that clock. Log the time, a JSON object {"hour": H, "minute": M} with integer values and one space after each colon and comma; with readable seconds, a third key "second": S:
{"hour": 10, "minute": 50}
